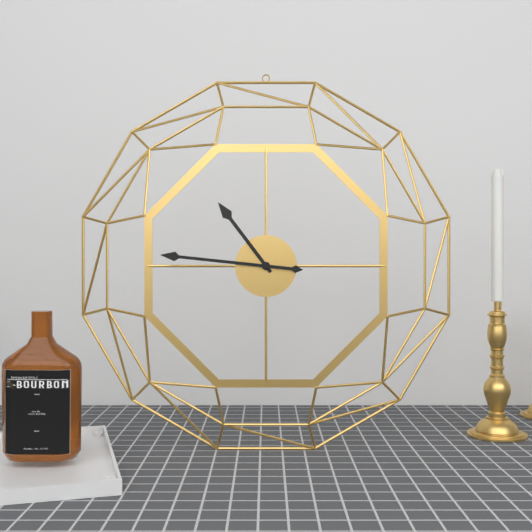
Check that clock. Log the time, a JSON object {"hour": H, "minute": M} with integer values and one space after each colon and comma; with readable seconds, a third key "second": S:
{"hour": 10, "minute": 46}
